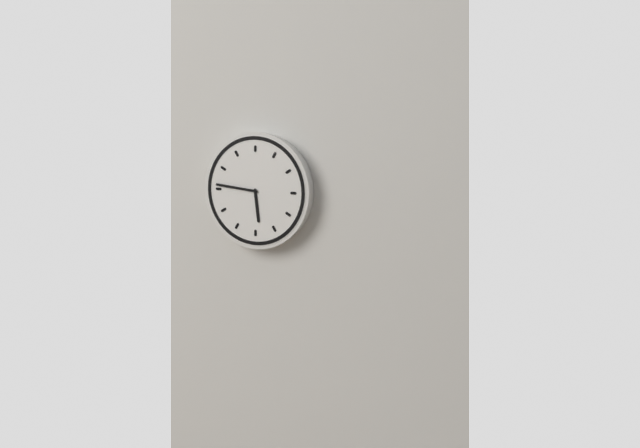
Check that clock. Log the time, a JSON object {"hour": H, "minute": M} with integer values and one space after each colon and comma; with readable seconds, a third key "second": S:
{"hour": 5, "minute": 46}
